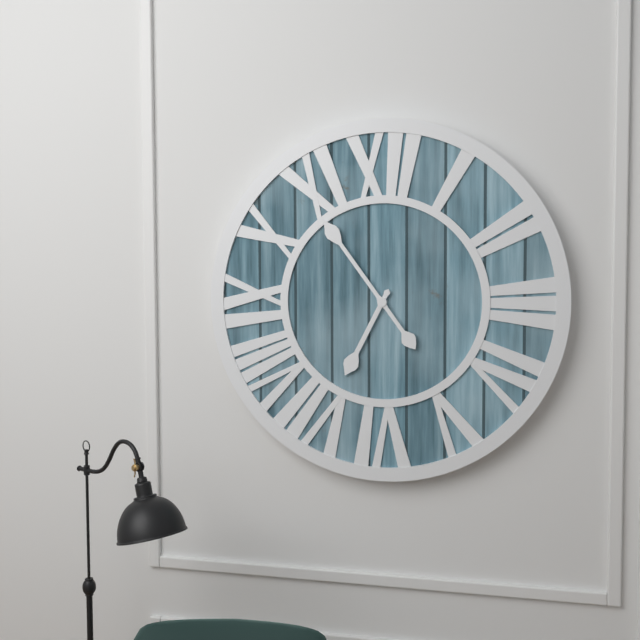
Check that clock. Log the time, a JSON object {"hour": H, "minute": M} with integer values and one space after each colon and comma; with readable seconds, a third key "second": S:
{"hour": 6, "minute": 54}
